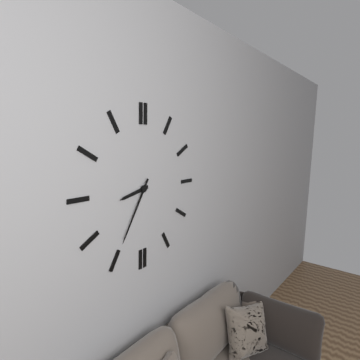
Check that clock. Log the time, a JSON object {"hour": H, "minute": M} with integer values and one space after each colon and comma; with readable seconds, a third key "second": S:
{"hour": 8, "minute": 35}
